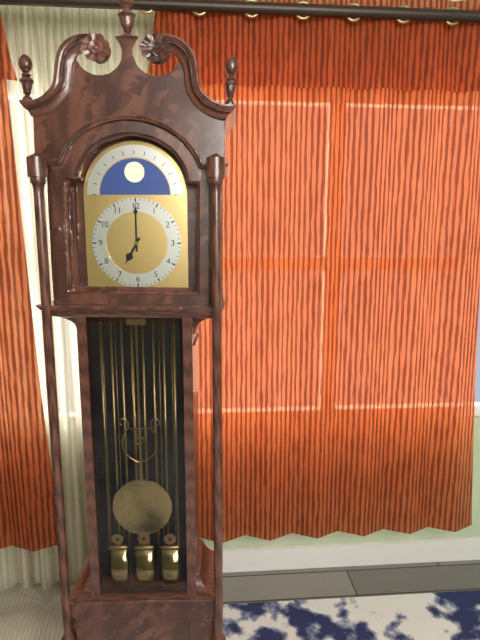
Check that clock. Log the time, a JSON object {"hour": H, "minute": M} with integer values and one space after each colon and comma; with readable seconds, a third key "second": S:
{"hour": 7, "minute": 0}
